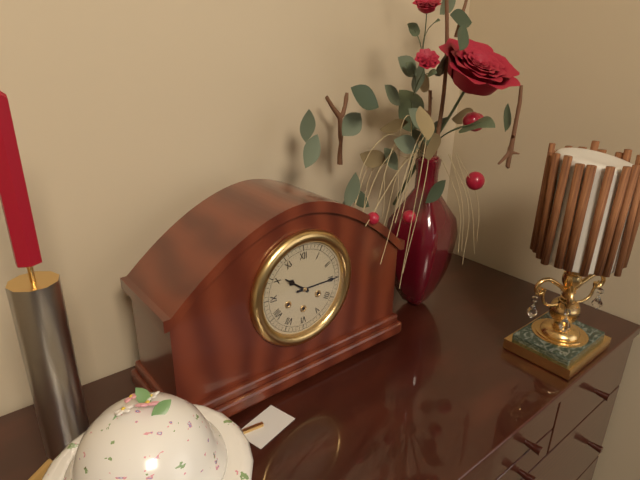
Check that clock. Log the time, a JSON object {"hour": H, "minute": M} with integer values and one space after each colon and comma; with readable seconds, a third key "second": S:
{"hour": 10, "minute": 15}
